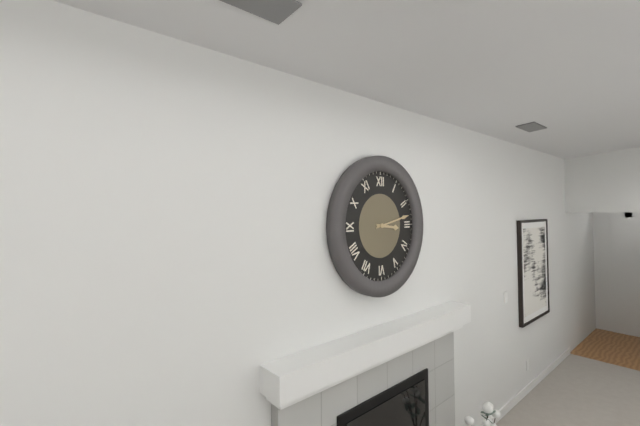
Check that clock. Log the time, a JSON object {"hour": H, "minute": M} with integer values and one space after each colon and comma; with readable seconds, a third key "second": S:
{"hour": 3, "minute": 13}
